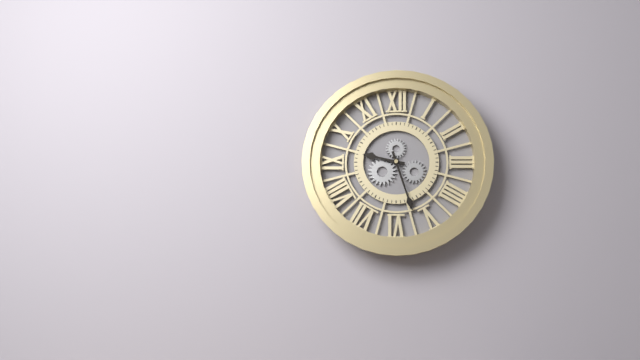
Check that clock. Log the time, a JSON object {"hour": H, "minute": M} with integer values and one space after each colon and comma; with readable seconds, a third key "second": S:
{"hour": 9, "minute": 27}
